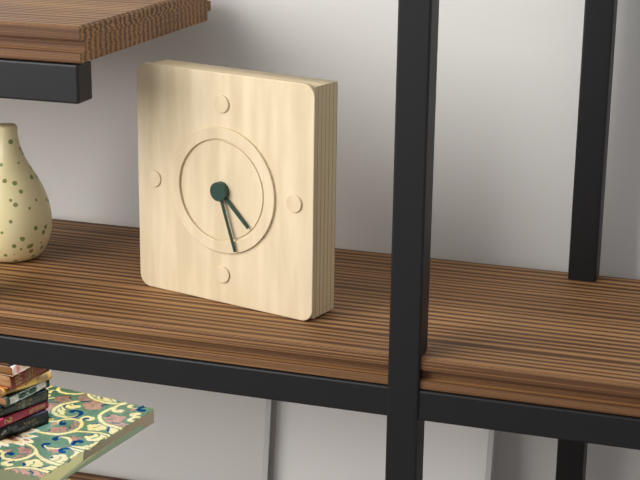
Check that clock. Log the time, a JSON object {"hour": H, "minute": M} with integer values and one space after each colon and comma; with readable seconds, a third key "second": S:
{"hour": 4, "minute": 27}
